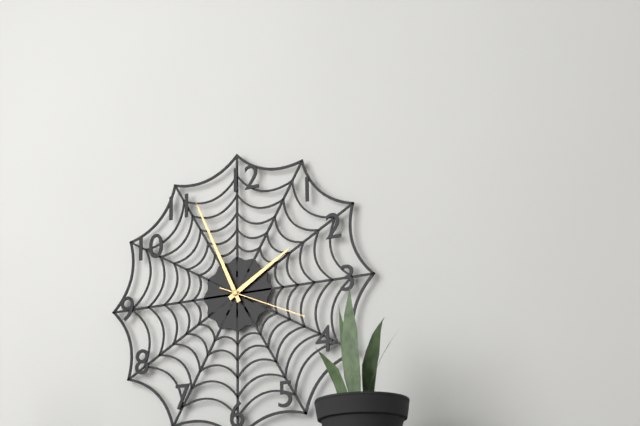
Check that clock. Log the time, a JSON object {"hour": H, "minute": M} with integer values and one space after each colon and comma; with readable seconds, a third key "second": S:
{"hour": 1, "minute": 56, "second": 19}
